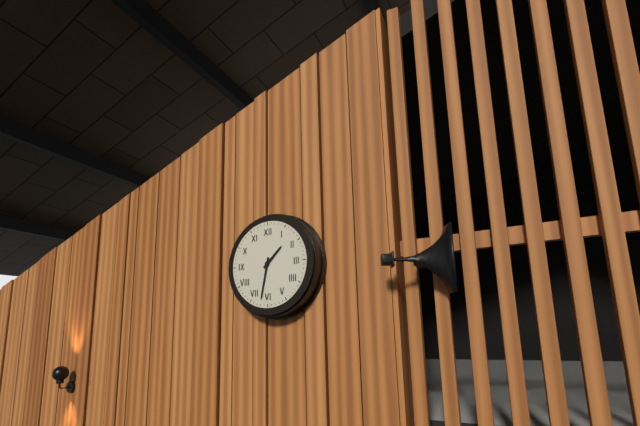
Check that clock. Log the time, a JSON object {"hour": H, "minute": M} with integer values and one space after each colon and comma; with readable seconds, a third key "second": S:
{"hour": 1, "minute": 32}
